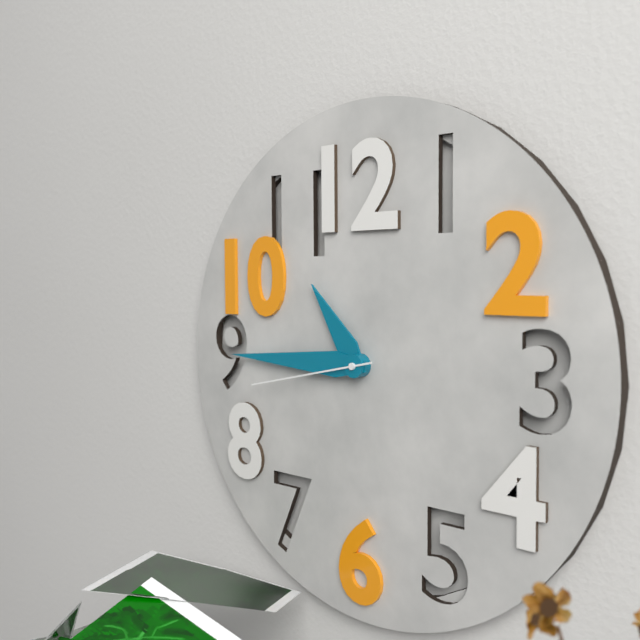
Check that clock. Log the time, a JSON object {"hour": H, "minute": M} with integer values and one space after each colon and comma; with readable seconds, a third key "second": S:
{"hour": 10, "minute": 45, "second": 43}
